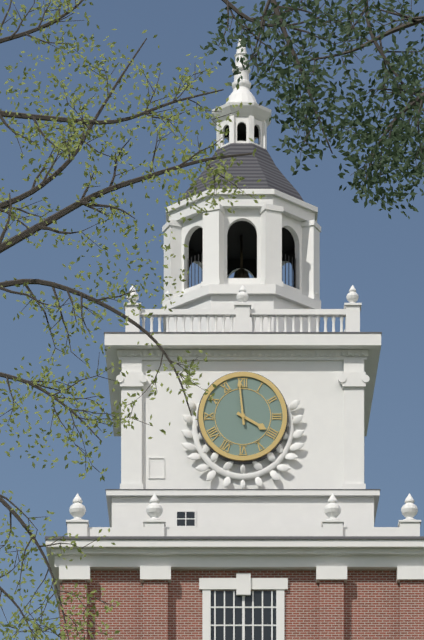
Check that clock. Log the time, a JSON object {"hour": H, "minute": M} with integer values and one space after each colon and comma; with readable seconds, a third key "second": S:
{"hour": 3, "minute": 59}
